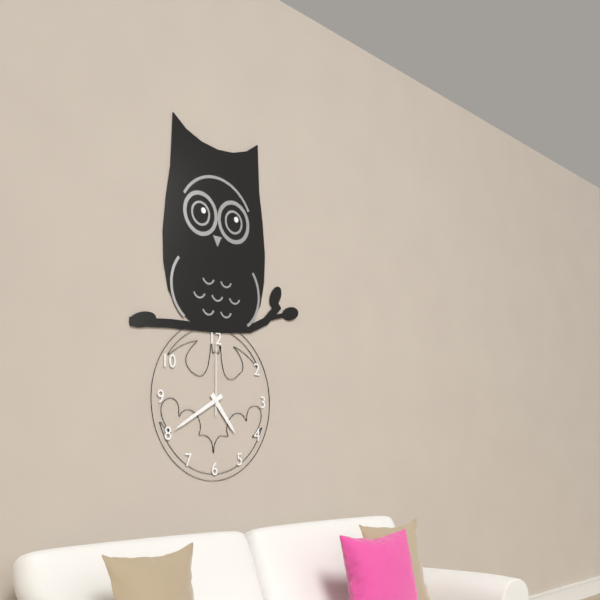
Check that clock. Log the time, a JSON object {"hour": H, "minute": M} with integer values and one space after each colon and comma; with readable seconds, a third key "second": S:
{"hour": 4, "minute": 40, "second": 0}
